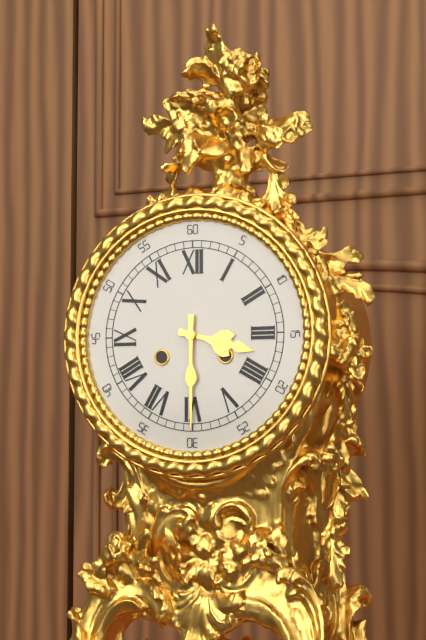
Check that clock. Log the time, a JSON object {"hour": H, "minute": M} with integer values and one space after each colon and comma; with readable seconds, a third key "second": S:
{"hour": 3, "minute": 30}
